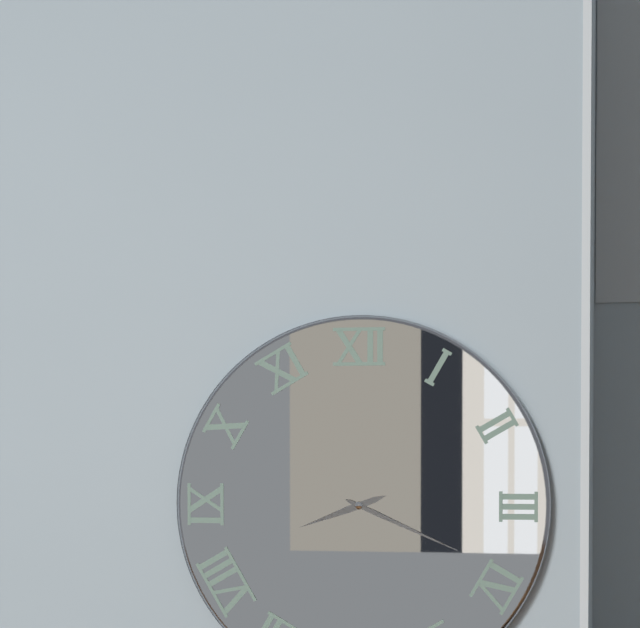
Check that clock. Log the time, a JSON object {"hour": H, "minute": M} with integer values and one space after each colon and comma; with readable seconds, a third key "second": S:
{"hour": 8, "minute": 19}
